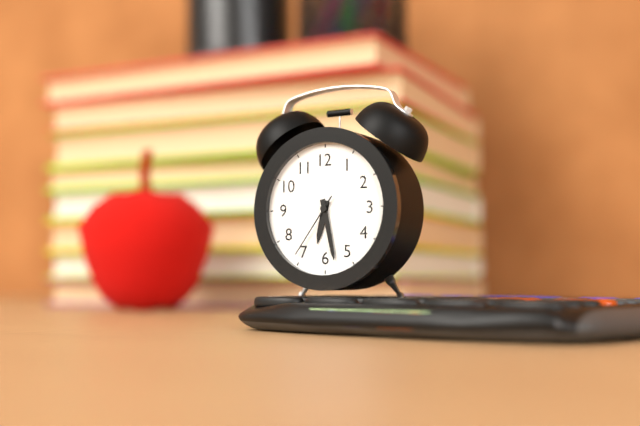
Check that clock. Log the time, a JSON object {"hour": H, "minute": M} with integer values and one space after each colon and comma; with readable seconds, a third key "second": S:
{"hour": 6, "minute": 28, "second": 36}
